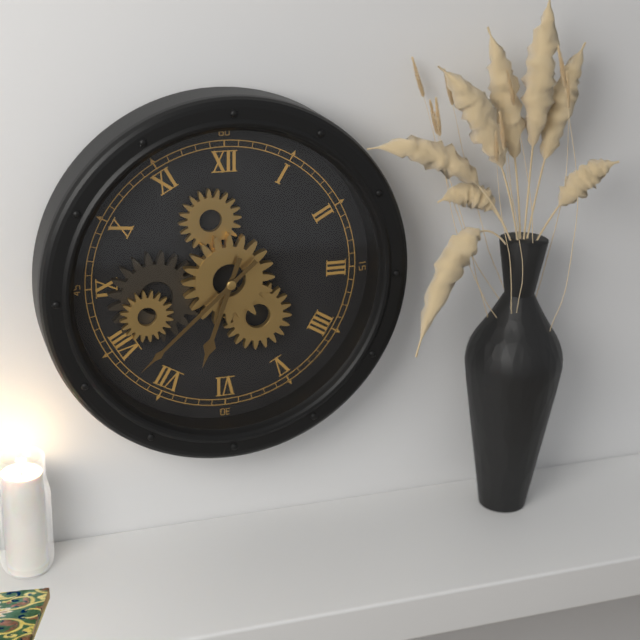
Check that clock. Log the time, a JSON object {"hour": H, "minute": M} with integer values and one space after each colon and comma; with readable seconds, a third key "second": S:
{"hour": 6, "minute": 38}
